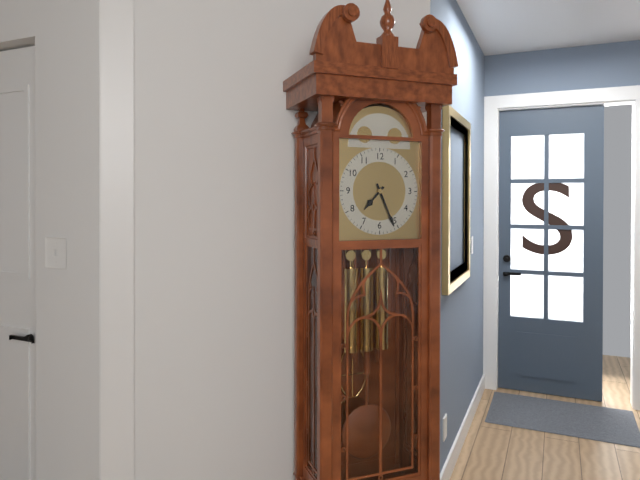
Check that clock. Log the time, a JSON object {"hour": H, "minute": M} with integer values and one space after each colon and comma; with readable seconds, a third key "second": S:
{"hour": 7, "minute": 26}
